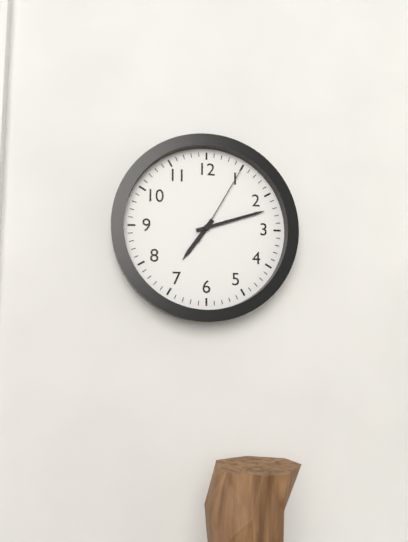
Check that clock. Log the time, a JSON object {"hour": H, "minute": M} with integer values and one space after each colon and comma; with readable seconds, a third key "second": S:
{"hour": 7, "minute": 12, "second": 5}
